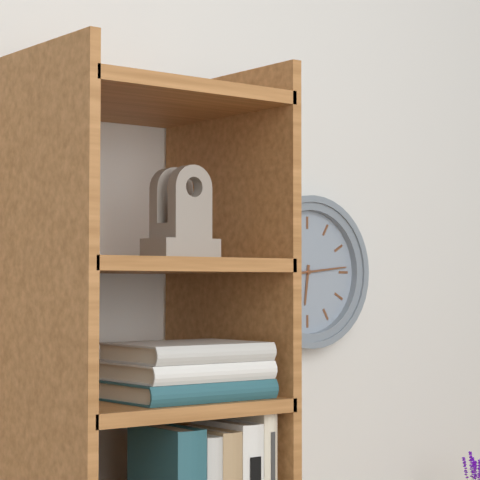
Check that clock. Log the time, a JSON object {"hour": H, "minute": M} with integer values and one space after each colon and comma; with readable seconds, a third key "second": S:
{"hour": 6, "minute": 14}
